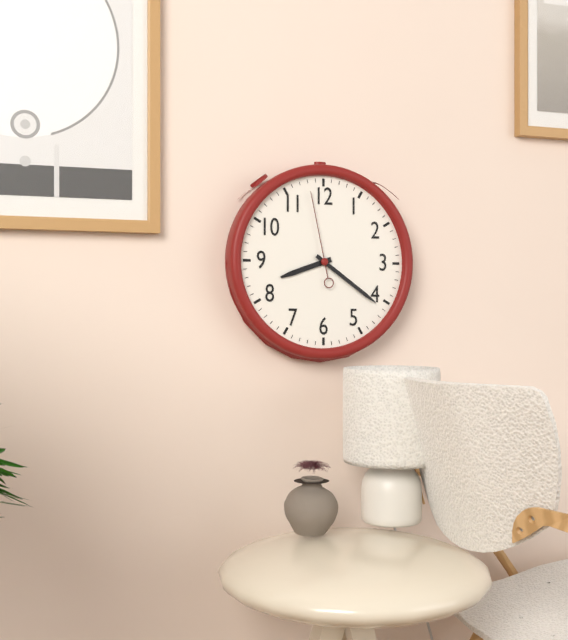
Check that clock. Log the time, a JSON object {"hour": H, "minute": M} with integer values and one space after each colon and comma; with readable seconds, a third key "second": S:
{"hour": 8, "minute": 21, "second": 58}
